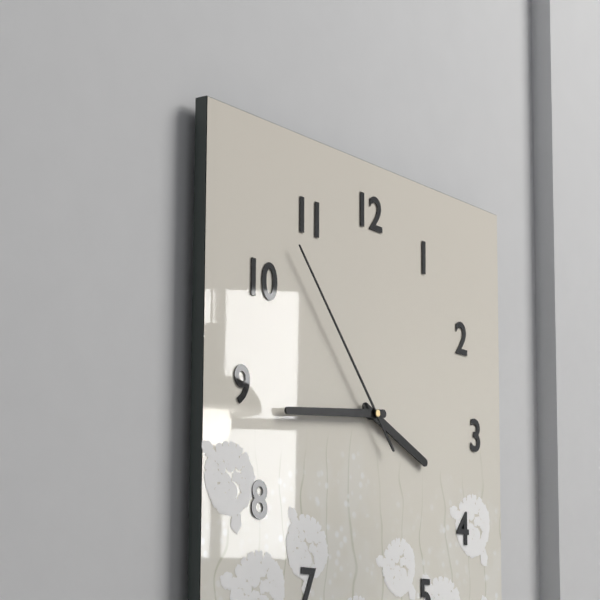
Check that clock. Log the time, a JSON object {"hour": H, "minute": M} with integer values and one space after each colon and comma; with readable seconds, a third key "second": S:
{"hour": 3, "minute": 44, "second": 53}
